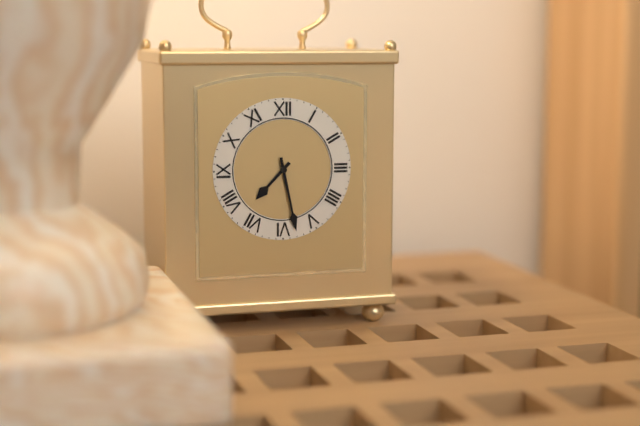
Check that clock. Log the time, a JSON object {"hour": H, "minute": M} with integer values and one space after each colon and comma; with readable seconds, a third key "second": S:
{"hour": 7, "minute": 28}
